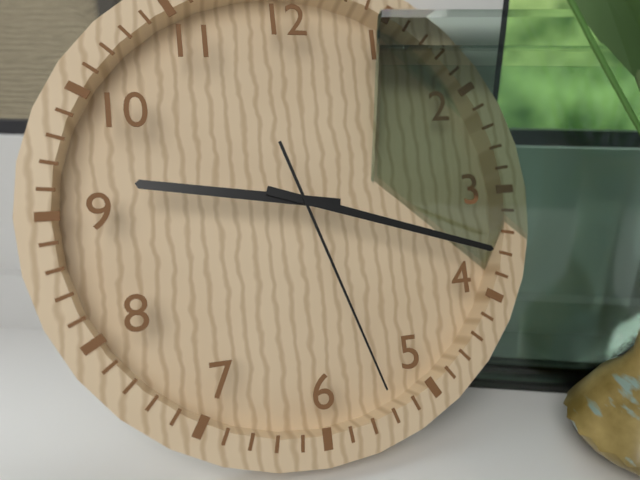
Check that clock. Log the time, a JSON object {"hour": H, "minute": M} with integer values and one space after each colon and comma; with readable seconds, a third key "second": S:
{"hour": 9, "minute": 18, "second": 27}
